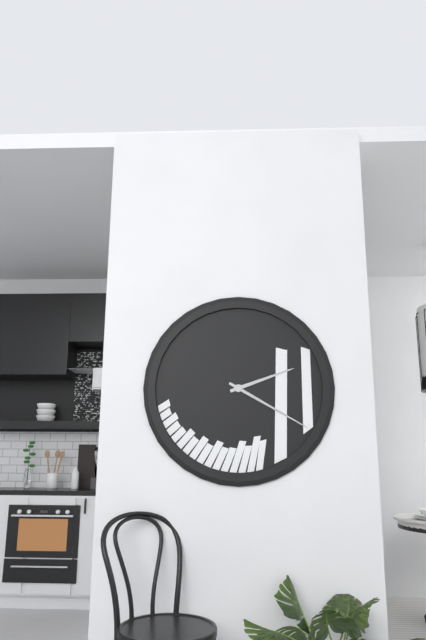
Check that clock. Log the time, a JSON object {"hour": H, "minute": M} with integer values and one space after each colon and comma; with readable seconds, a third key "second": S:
{"hour": 2, "minute": 20}
